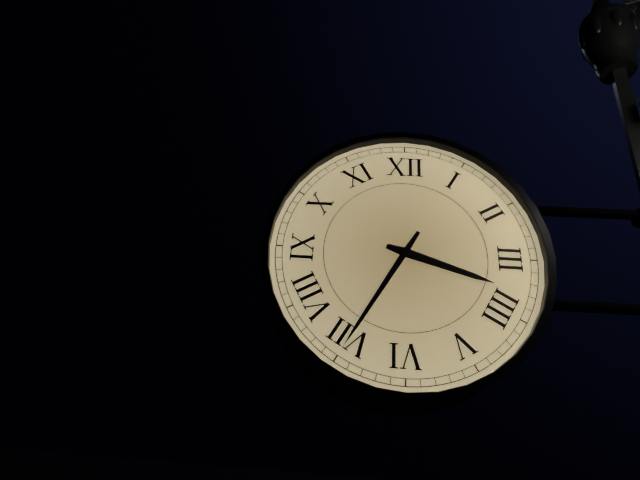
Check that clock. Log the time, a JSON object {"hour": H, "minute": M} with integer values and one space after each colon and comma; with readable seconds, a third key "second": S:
{"hour": 3, "minute": 35}
